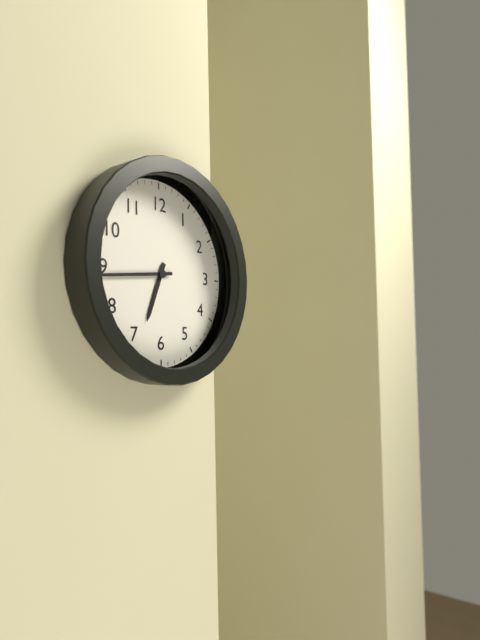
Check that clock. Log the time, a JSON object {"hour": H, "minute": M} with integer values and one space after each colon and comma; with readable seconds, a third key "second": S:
{"hour": 6, "minute": 44}
